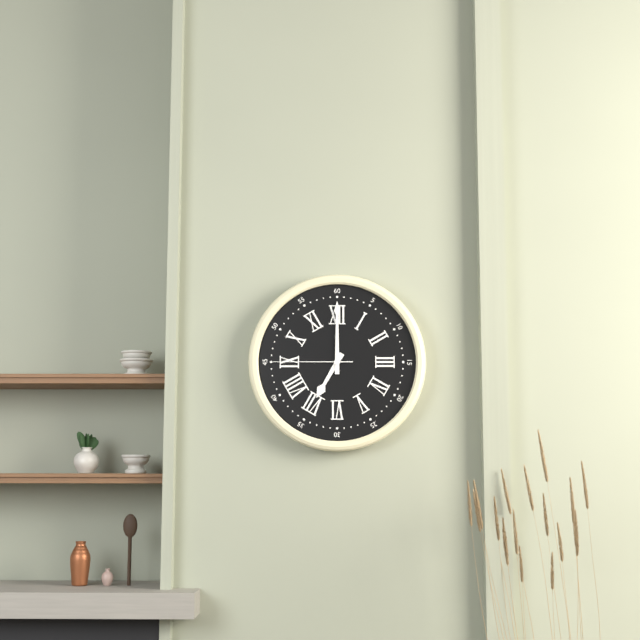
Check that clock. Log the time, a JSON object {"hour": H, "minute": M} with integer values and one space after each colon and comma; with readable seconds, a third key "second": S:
{"hour": 7, "minute": 0, "second": 45}
